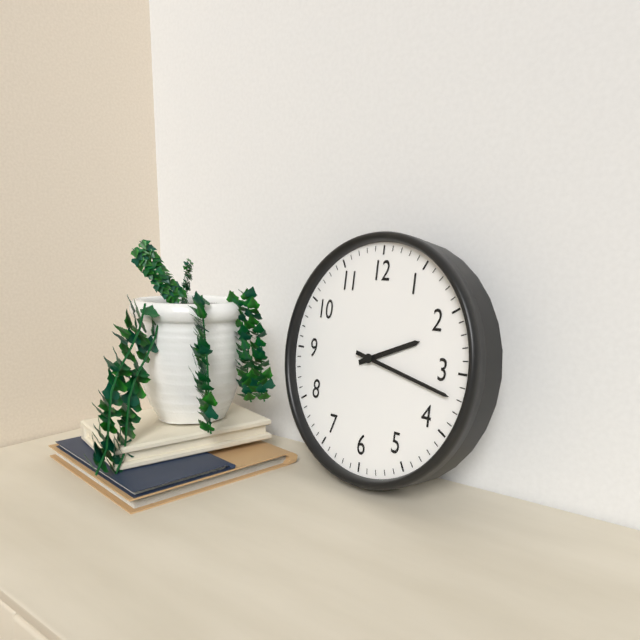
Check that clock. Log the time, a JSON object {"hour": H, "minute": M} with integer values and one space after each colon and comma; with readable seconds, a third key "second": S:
{"hour": 2, "minute": 17}
